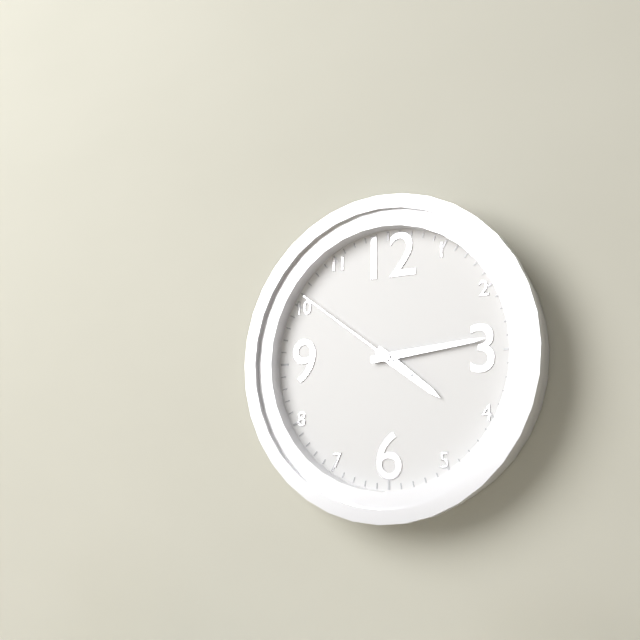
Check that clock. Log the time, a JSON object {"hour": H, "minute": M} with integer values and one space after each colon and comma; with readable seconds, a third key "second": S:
{"hour": 4, "minute": 14, "second": 51}
